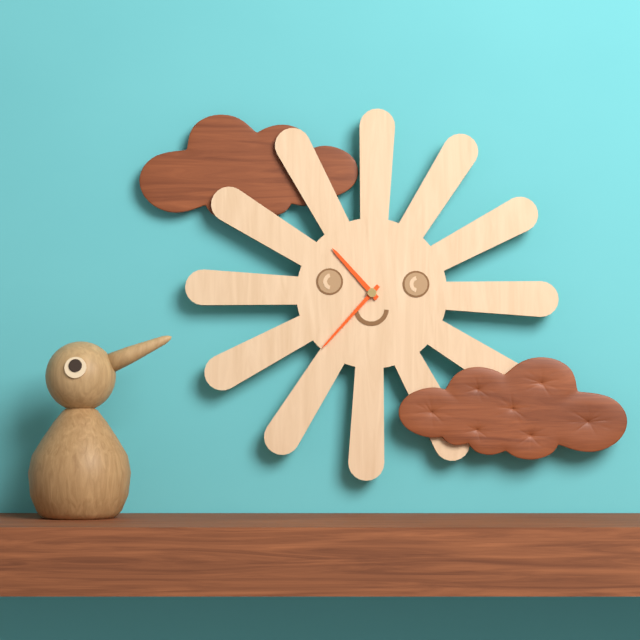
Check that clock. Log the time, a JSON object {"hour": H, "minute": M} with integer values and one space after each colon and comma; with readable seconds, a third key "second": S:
{"hour": 10, "minute": 37}
